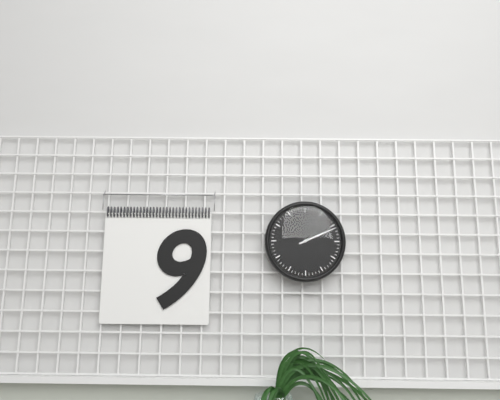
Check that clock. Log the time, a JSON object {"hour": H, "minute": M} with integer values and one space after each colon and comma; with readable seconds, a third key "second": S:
{"hour": 2, "minute": 11}
